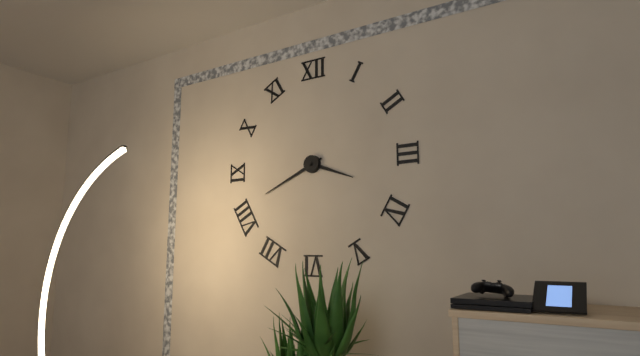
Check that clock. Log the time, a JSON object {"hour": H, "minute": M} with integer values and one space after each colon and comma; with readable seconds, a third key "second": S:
{"hour": 3, "minute": 41}
